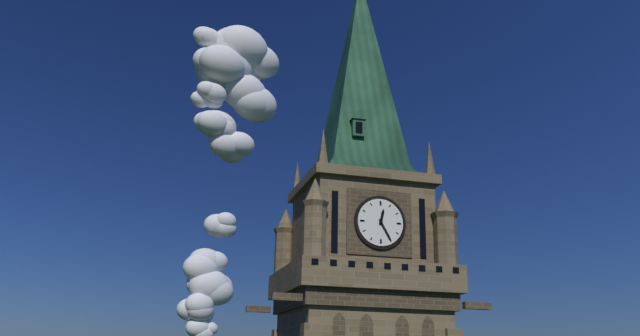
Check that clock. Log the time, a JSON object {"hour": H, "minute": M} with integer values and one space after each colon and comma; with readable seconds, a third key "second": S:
{"hour": 12, "minute": 25}
